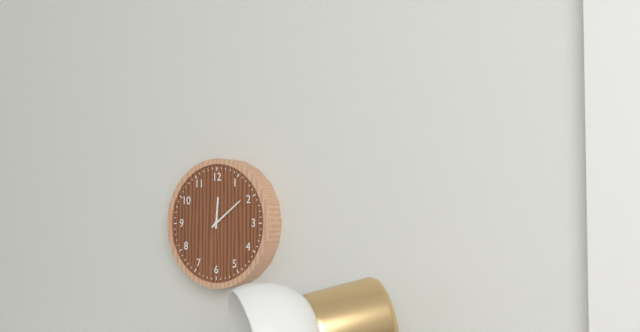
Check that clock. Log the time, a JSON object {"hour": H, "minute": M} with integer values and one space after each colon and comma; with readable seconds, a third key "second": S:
{"hour": 12, "minute": 9}
